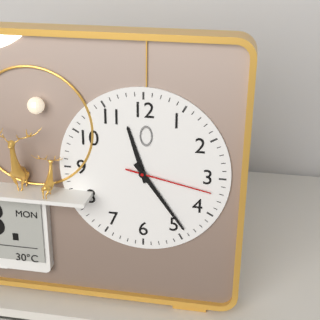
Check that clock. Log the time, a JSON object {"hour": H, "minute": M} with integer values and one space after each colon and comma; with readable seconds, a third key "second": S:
{"hour": 11, "minute": 24, "second": 17}
